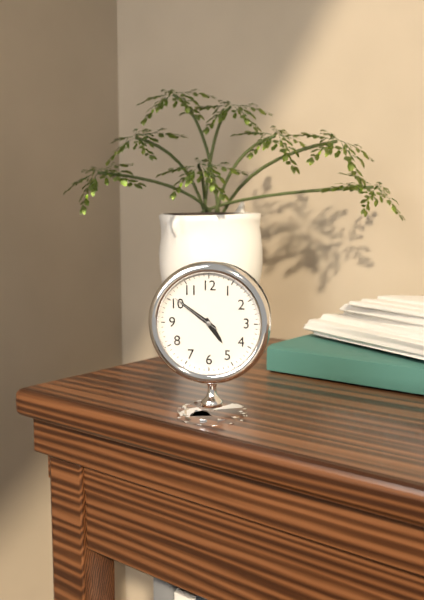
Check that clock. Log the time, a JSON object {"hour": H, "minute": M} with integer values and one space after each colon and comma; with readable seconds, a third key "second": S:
{"hour": 4, "minute": 51, "second": 51}
